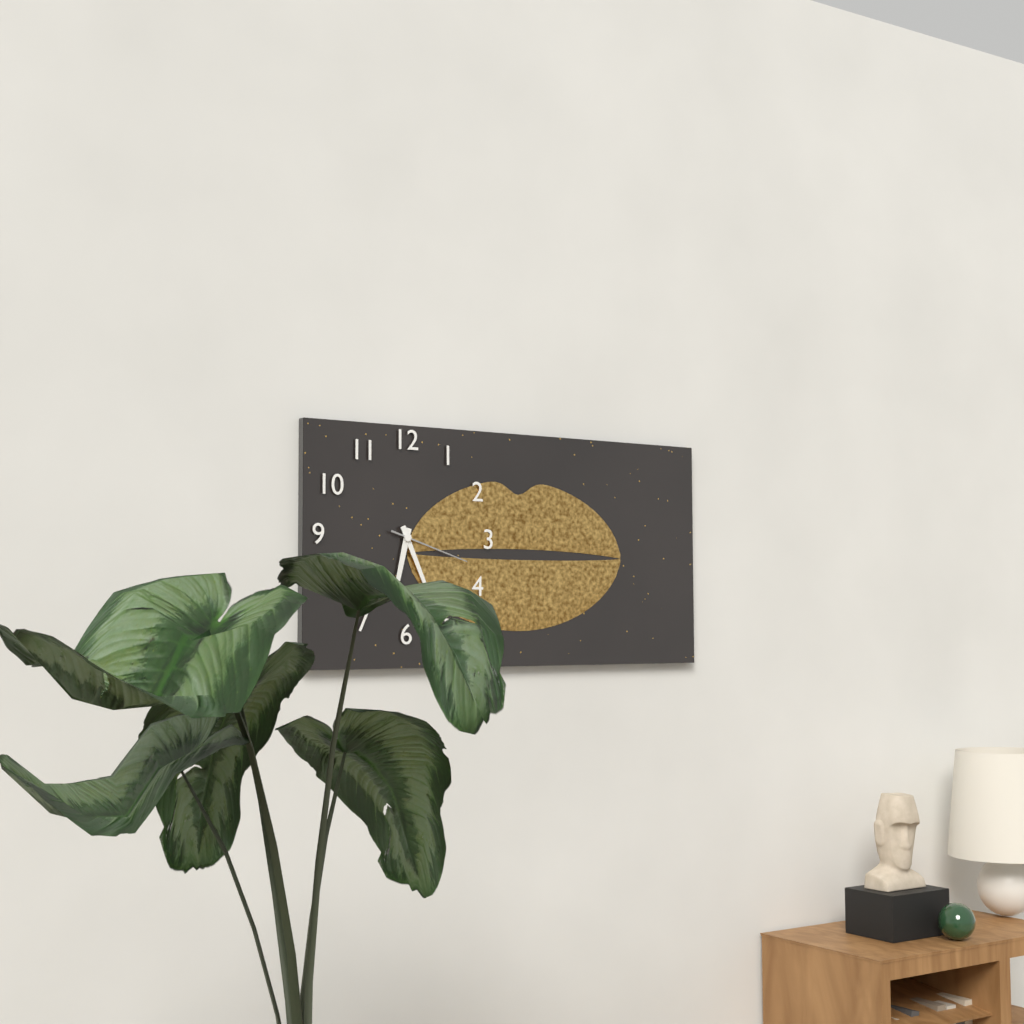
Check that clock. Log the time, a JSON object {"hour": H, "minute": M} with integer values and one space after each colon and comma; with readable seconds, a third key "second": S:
{"hour": 6, "minute": 26, "second": 18}
